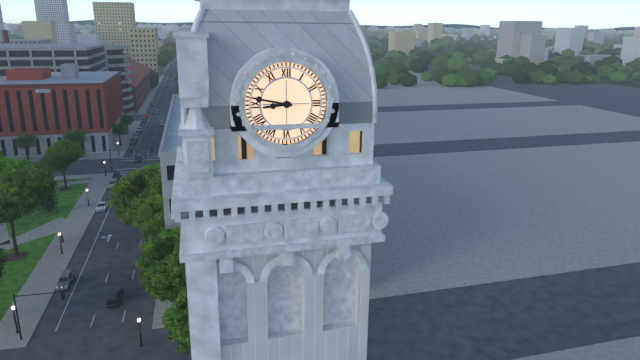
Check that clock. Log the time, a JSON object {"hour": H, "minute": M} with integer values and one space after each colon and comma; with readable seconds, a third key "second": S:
{"hour": 8, "minute": 47}
